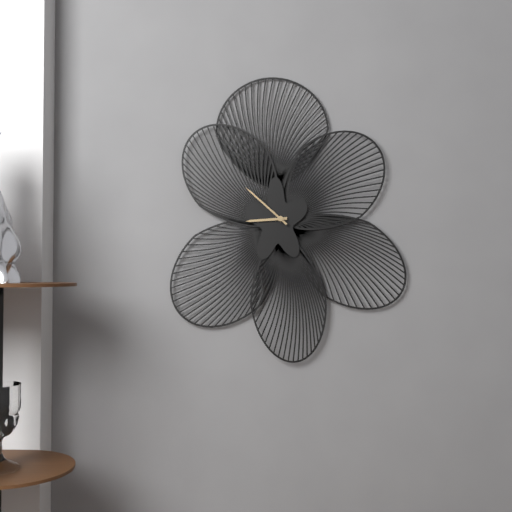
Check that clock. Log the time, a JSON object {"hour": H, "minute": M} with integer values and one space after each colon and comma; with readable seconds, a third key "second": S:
{"hour": 8, "minute": 52}
